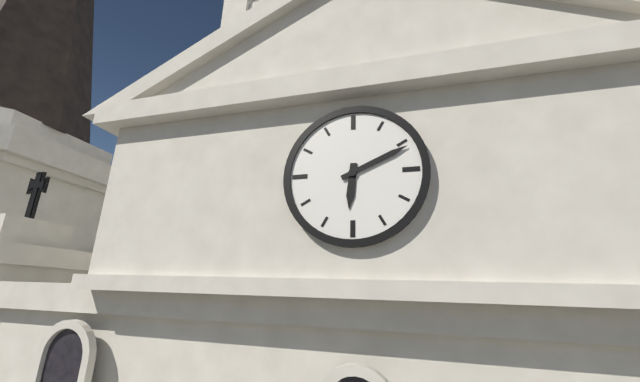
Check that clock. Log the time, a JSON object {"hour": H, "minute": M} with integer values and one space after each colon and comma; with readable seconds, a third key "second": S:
{"hour": 6, "minute": 11}
